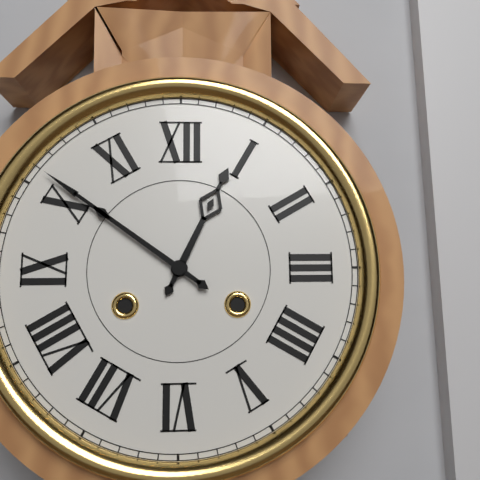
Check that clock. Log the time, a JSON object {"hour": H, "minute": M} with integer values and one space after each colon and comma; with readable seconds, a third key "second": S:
{"hour": 12, "minute": 51}
